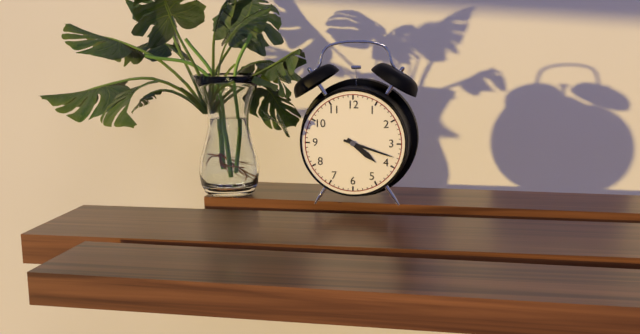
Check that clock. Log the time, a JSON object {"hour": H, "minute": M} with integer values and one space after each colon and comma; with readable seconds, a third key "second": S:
{"hour": 4, "minute": 18}
